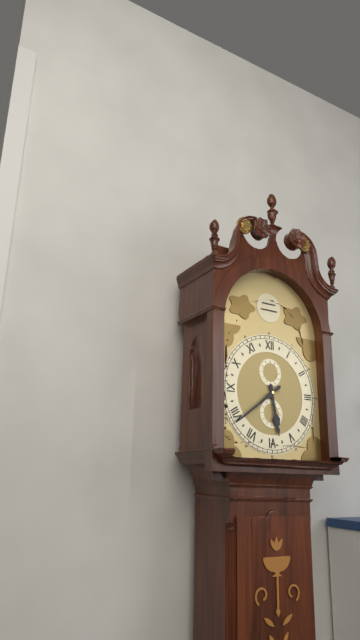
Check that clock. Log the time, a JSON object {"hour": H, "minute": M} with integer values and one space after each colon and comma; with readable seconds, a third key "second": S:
{"hour": 5, "minute": 39}
